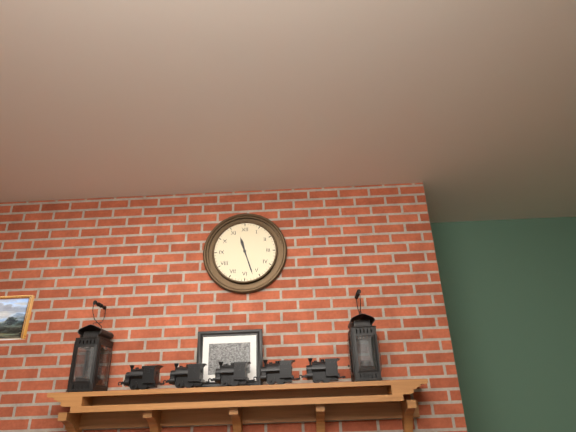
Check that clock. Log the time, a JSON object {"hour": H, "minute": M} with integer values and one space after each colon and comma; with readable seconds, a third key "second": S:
{"hour": 11, "minute": 27}
